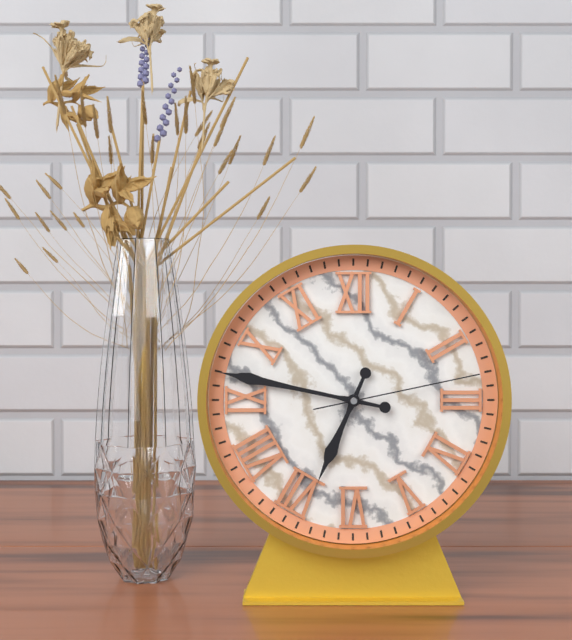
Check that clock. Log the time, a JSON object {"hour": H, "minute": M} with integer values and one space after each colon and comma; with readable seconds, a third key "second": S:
{"hour": 6, "minute": 47, "second": 13}
